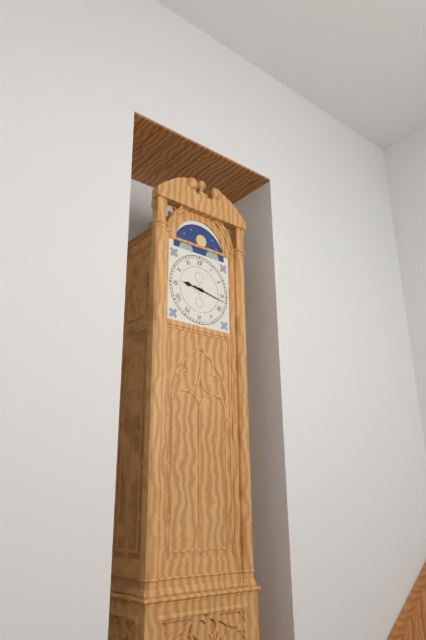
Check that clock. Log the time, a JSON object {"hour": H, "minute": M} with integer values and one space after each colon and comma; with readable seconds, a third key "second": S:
{"hour": 9, "minute": 17}
